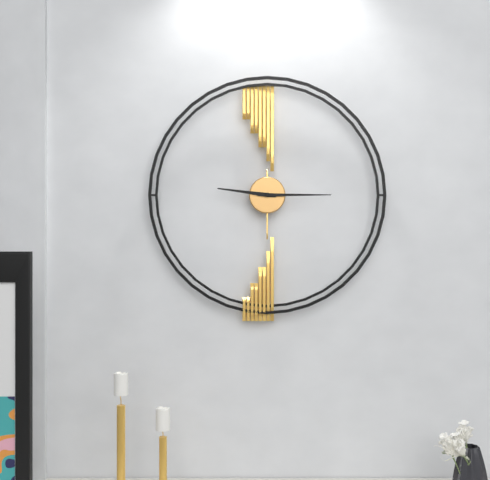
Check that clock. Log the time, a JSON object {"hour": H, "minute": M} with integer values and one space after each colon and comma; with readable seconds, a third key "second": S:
{"hour": 9, "minute": 15}
